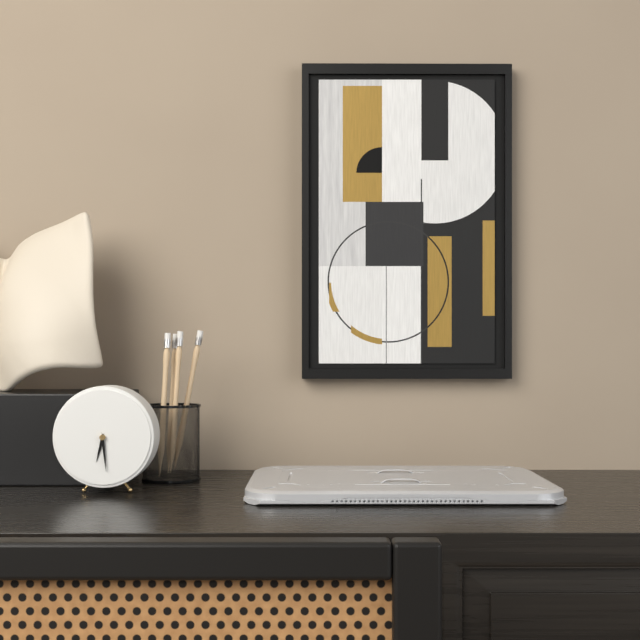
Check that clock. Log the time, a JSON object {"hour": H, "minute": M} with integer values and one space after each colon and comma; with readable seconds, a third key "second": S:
{"hour": 6, "minute": 29}
